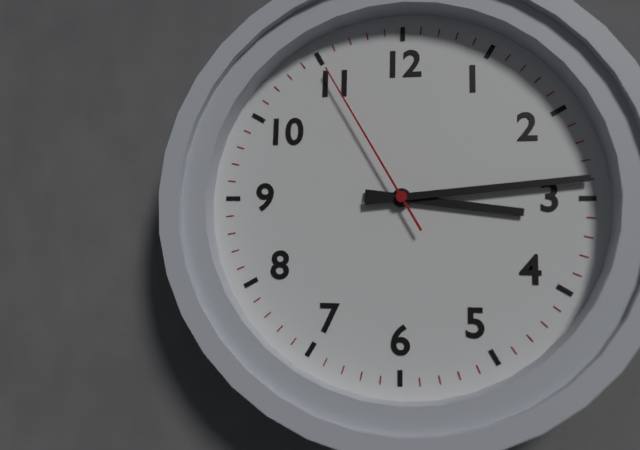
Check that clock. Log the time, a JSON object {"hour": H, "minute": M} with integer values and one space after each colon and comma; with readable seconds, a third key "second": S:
{"hour": 3, "minute": 14, "second": 55}
